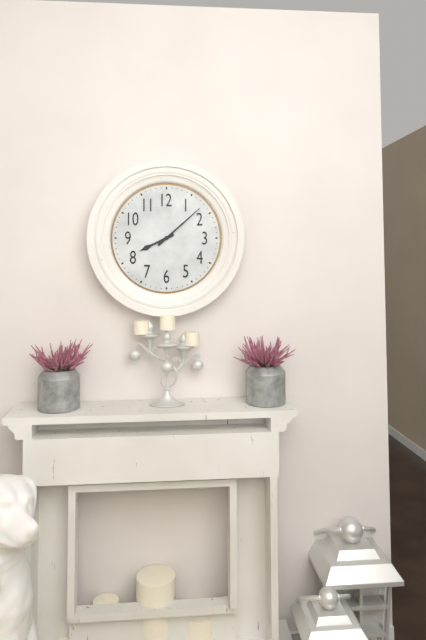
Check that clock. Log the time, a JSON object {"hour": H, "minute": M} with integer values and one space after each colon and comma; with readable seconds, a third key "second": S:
{"hour": 8, "minute": 8}
